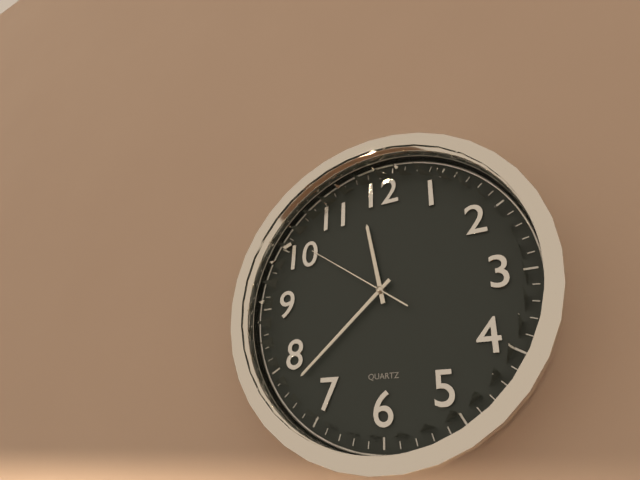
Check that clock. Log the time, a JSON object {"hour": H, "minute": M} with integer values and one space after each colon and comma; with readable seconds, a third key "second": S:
{"hour": 11, "minute": 38, "second": 51}
